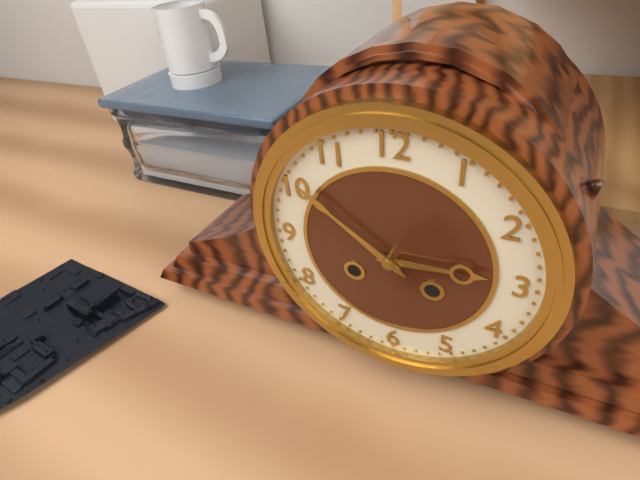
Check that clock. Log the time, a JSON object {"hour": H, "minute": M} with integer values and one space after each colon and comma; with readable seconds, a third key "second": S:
{"hour": 2, "minute": 51}
